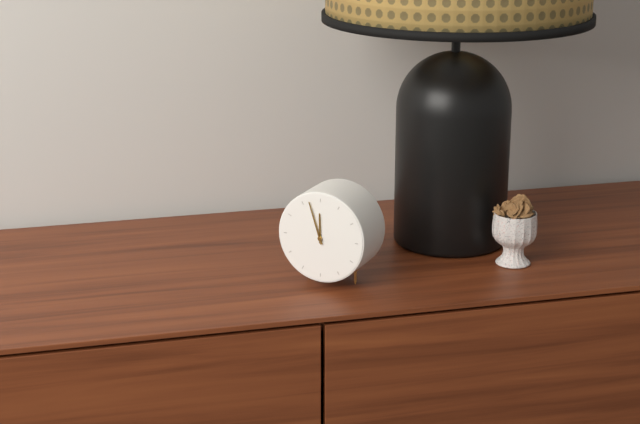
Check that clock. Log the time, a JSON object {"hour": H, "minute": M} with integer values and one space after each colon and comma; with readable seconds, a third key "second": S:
{"hour": 11, "minute": 57}
